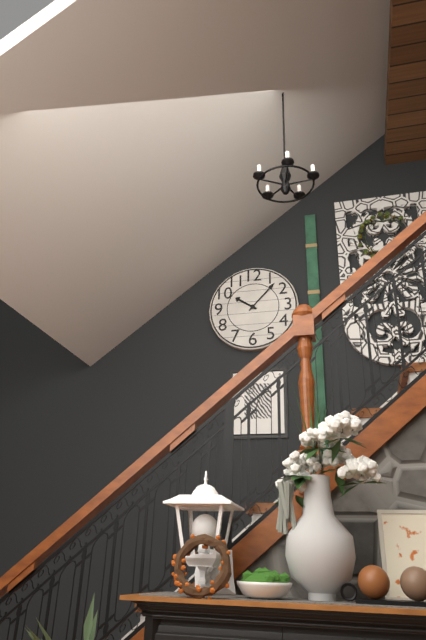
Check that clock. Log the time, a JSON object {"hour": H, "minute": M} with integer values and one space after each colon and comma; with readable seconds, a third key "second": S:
{"hour": 10, "minute": 7}
